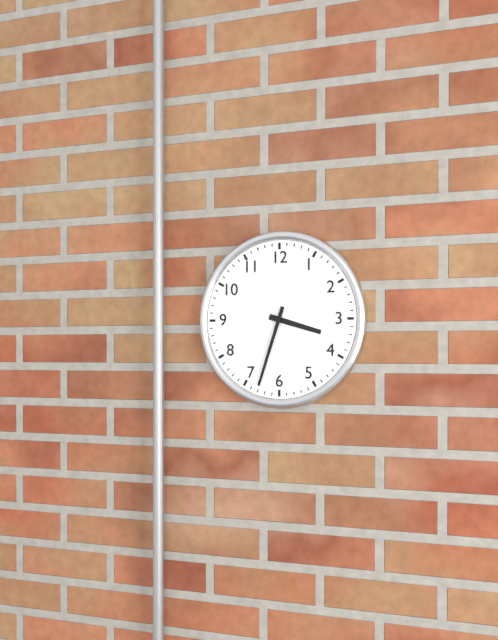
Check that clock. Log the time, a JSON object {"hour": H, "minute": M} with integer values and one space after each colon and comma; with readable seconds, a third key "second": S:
{"hour": 3, "minute": 33}
